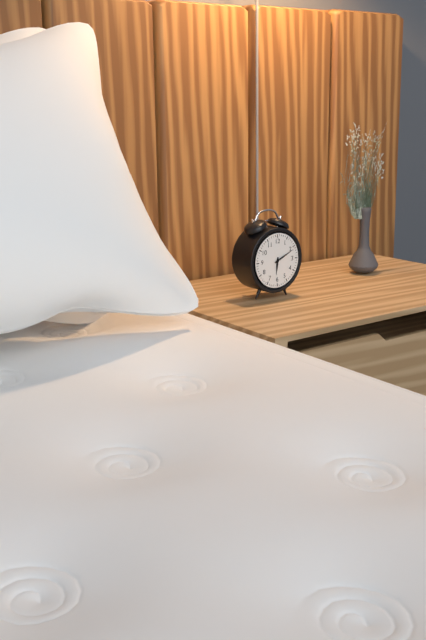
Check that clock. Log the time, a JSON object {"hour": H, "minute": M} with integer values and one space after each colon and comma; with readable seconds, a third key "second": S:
{"hour": 6, "minute": 11}
